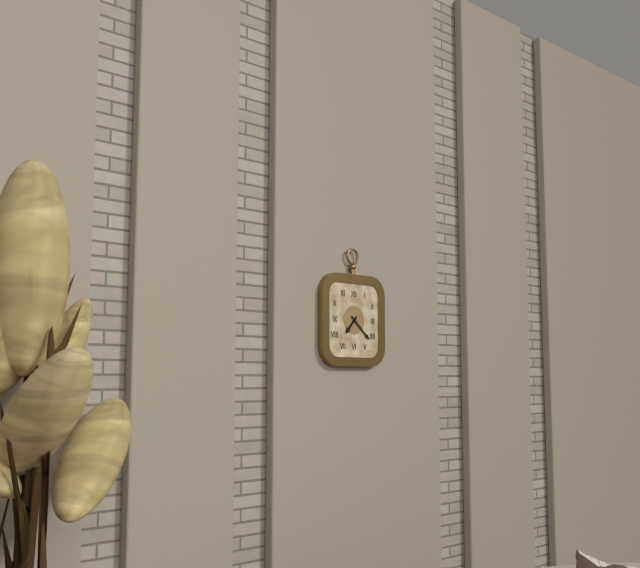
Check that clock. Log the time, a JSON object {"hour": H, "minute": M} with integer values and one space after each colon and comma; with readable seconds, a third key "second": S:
{"hour": 7, "minute": 22}
